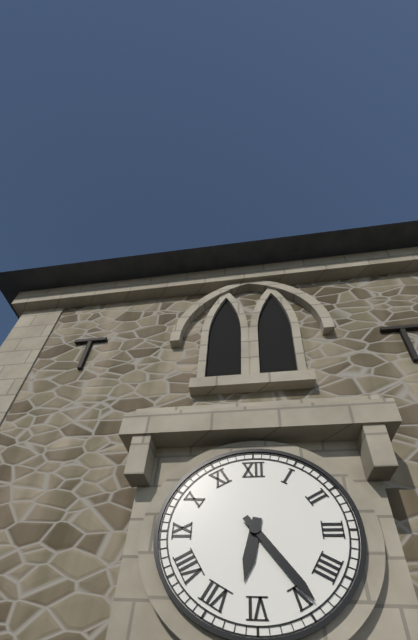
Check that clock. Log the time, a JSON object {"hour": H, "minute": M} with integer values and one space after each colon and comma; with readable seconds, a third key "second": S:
{"hour": 6, "minute": 24}
